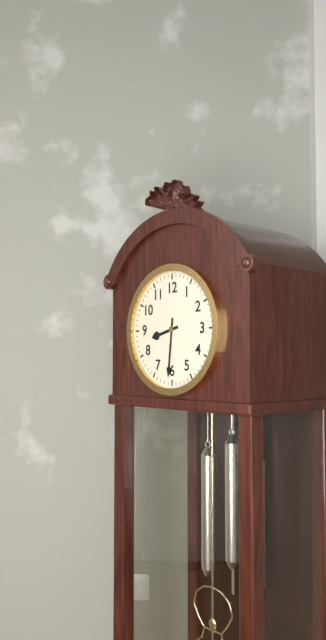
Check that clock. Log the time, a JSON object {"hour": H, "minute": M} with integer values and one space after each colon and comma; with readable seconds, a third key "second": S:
{"hour": 8, "minute": 31}
